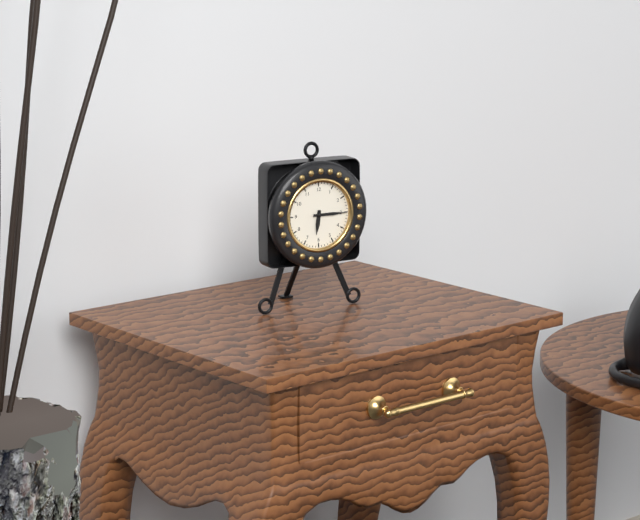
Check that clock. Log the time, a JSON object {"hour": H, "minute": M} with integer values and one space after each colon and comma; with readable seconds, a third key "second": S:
{"hour": 6, "minute": 15}
